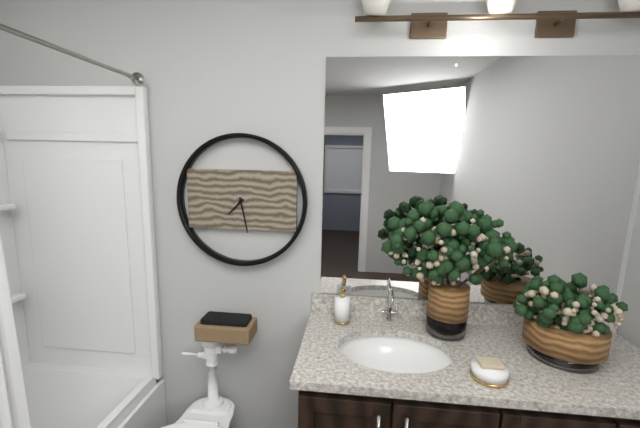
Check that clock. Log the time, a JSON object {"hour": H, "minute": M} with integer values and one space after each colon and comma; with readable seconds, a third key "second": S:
{"hour": 7, "minute": 28}
